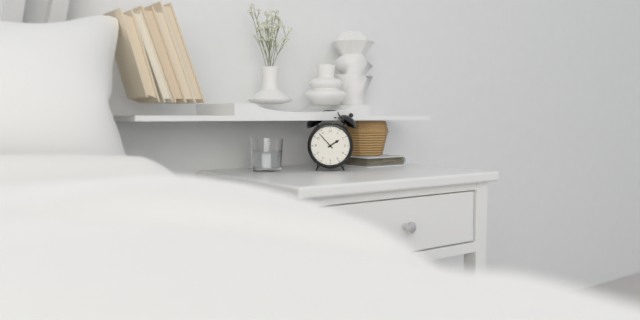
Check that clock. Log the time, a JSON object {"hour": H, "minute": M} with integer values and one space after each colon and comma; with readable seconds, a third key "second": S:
{"hour": 1, "minute": 53}
